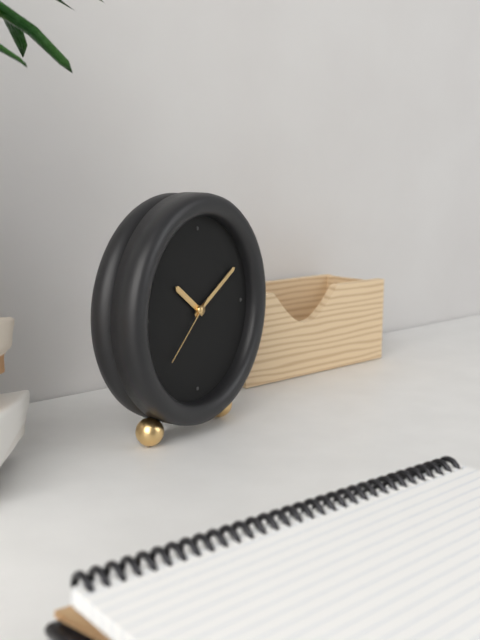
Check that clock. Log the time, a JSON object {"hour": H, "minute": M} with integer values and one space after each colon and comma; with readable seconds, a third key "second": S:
{"hour": 10, "minute": 10, "second": 38}
